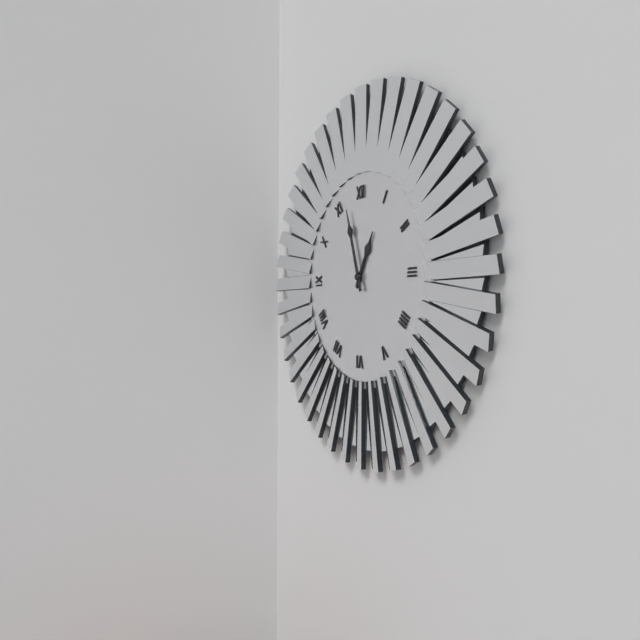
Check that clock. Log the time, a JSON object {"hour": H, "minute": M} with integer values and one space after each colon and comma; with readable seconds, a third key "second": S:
{"hour": 12, "minute": 57}
